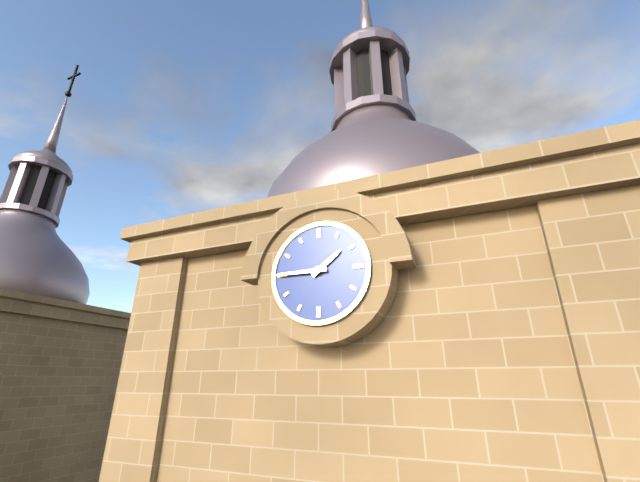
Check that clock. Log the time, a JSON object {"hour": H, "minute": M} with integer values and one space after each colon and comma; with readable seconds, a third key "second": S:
{"hour": 1, "minute": 45}
